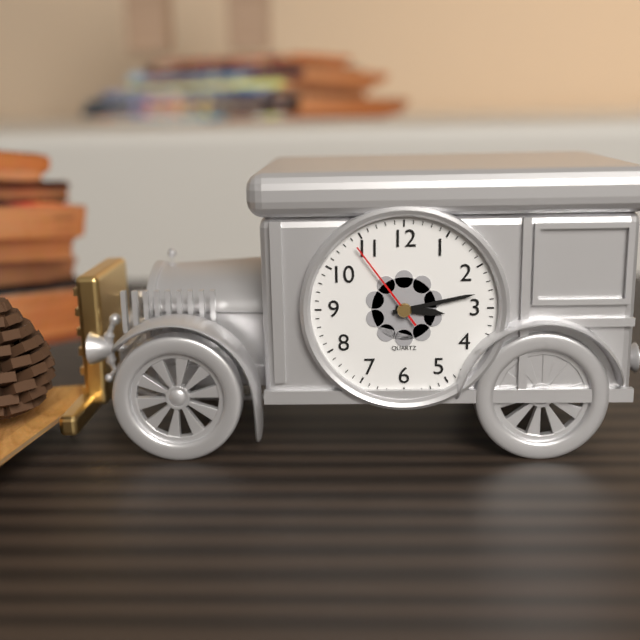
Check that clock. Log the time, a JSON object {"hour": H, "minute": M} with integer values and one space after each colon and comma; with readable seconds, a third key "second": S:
{"hour": 3, "minute": 13, "second": 54}
